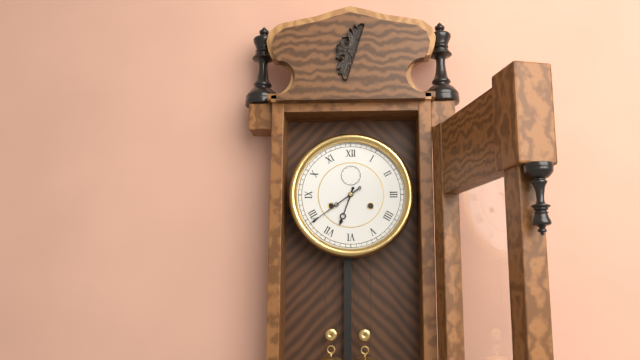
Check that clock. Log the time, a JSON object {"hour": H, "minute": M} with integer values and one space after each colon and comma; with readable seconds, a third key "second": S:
{"hour": 6, "minute": 39}
